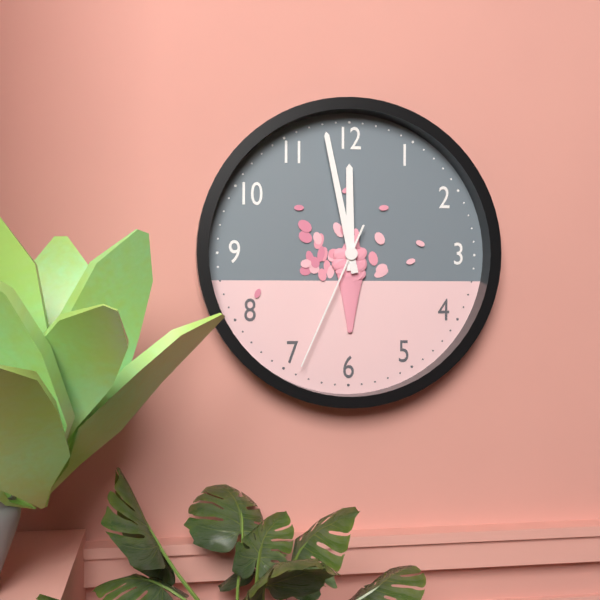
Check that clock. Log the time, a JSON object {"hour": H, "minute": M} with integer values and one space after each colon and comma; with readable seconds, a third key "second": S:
{"hour": 11, "minute": 58, "second": 34}
